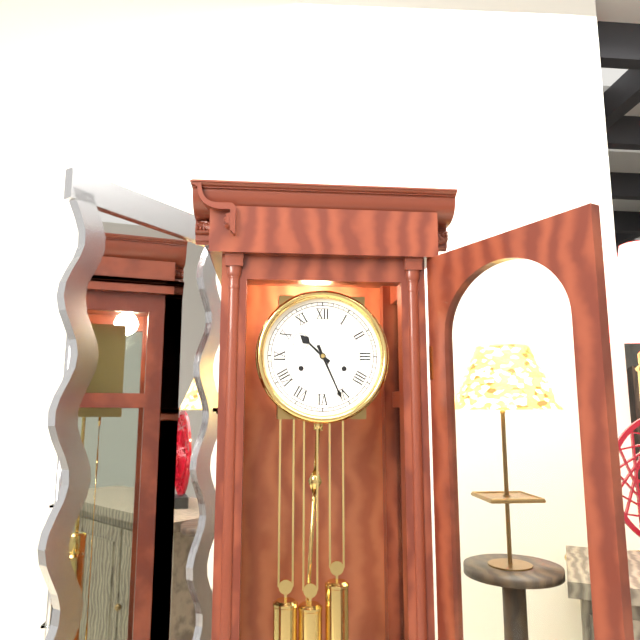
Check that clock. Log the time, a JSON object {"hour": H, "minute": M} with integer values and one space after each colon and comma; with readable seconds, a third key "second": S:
{"hour": 10, "minute": 26}
